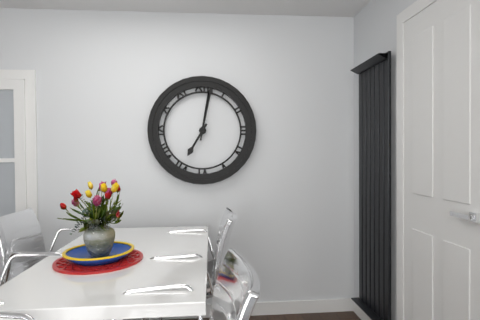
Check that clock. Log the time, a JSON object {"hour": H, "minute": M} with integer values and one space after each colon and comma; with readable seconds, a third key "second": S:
{"hour": 7, "minute": 2}
